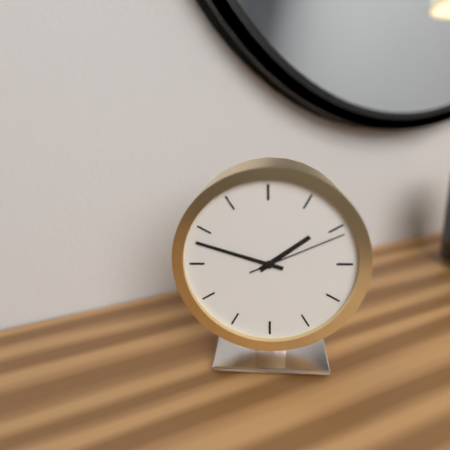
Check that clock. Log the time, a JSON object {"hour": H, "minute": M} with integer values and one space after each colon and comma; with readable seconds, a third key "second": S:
{"hour": 1, "minute": 48, "second": 11}
